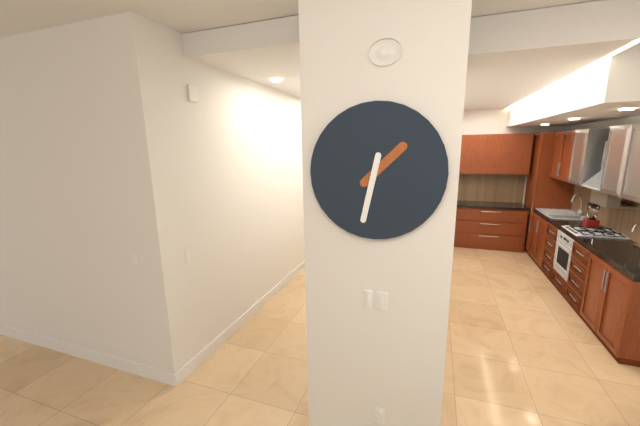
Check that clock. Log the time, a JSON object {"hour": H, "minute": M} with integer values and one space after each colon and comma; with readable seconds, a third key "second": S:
{"hour": 1, "minute": 32}
